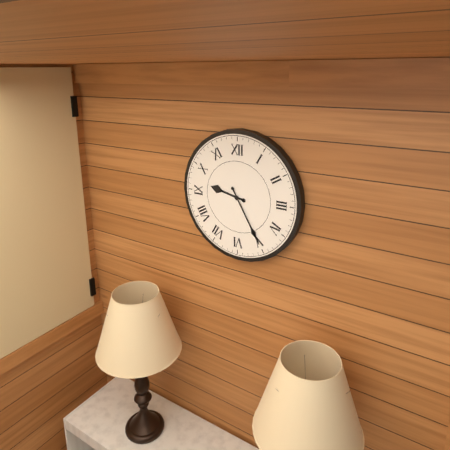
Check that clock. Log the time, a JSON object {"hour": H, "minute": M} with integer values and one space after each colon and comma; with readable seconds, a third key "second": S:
{"hour": 9, "minute": 25}
